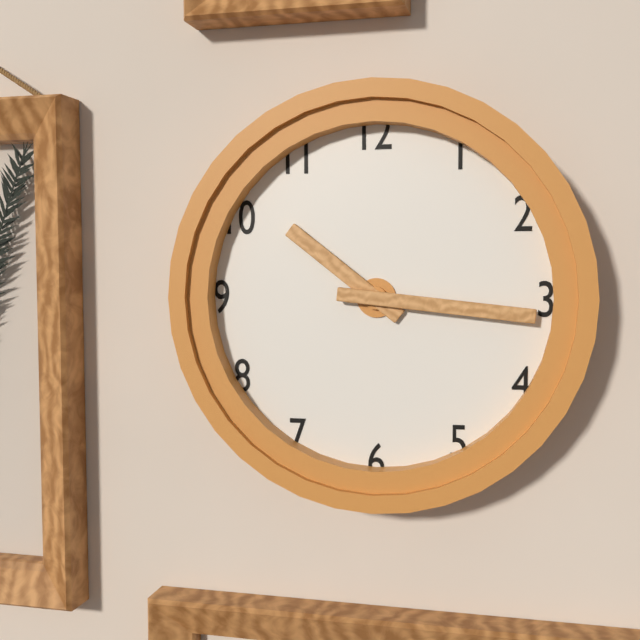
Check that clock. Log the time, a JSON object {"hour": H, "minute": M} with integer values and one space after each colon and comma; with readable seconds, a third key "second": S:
{"hour": 10, "minute": 16}
